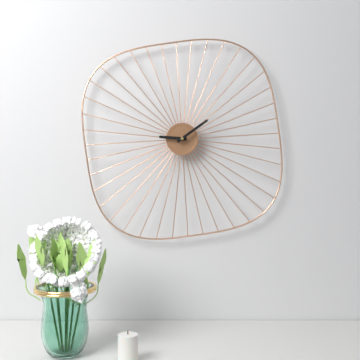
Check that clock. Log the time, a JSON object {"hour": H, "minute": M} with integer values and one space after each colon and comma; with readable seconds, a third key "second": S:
{"hour": 9, "minute": 9}
